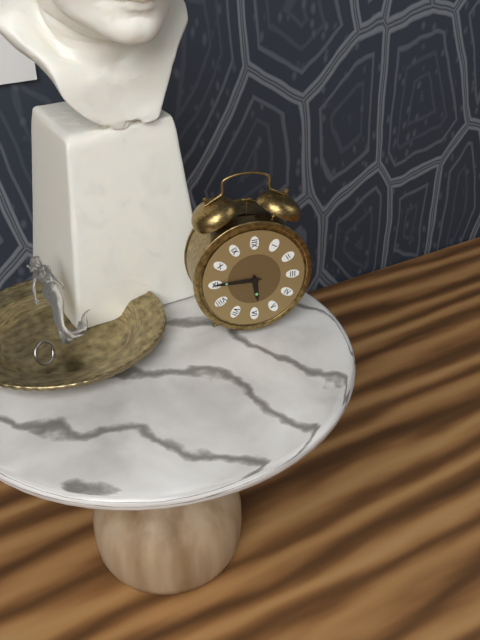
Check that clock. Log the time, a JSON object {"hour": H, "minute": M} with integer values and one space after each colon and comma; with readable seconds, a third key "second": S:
{"hour": 5, "minute": 45}
